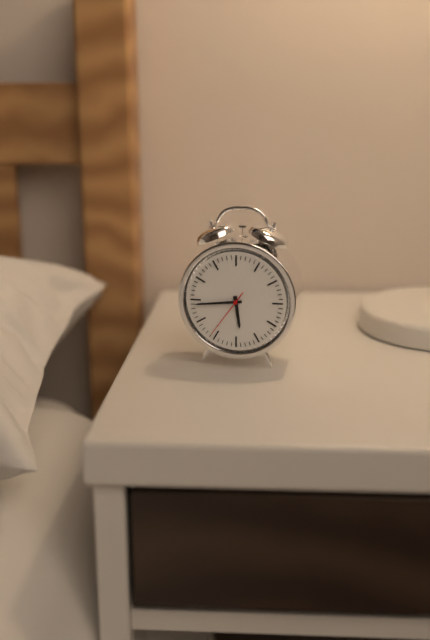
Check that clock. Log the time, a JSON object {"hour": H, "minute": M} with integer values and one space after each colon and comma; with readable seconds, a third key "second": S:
{"hour": 5, "minute": 44, "second": 36}
